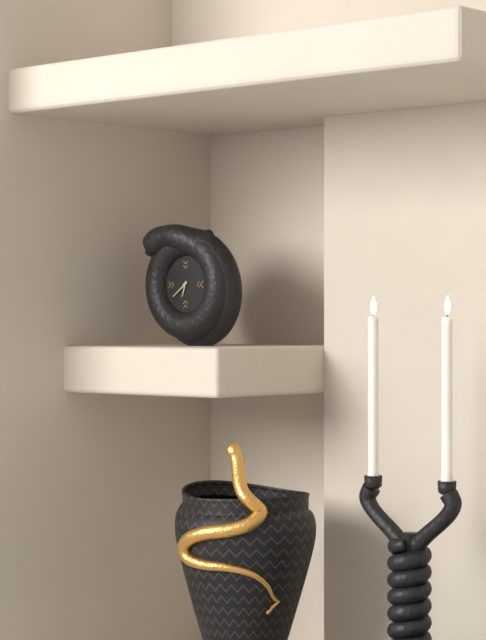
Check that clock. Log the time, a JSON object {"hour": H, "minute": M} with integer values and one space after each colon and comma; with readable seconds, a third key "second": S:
{"hour": 6, "minute": 39}
